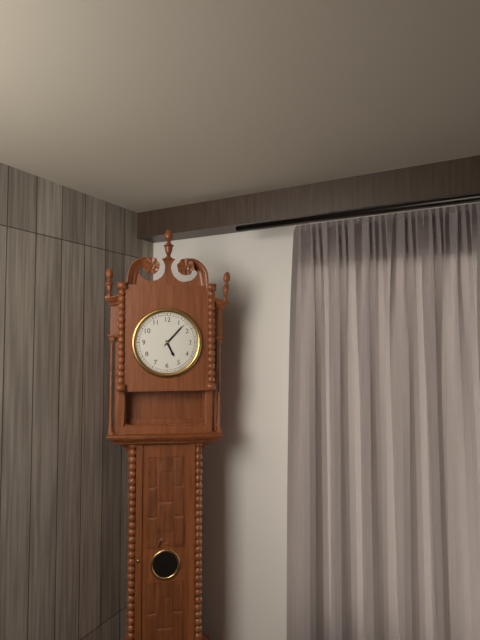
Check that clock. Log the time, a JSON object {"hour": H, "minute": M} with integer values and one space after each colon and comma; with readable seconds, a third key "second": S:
{"hour": 5, "minute": 7}
